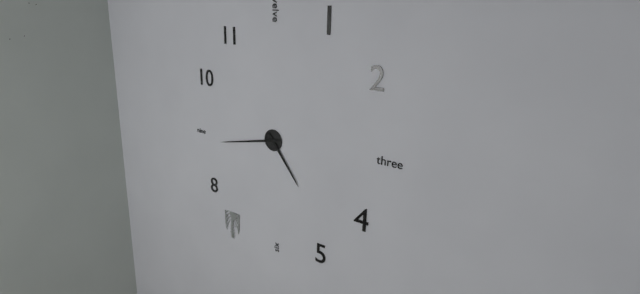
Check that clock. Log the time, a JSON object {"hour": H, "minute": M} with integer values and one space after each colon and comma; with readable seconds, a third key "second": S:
{"hour": 4, "minute": 43}
